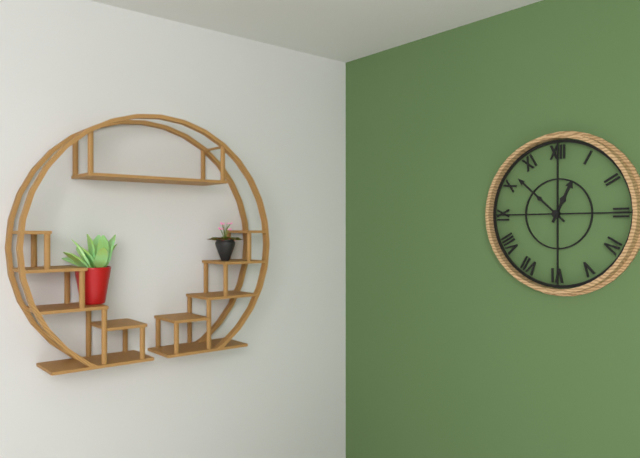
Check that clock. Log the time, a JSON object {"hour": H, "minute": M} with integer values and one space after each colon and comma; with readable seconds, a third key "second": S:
{"hour": 12, "minute": 52}
